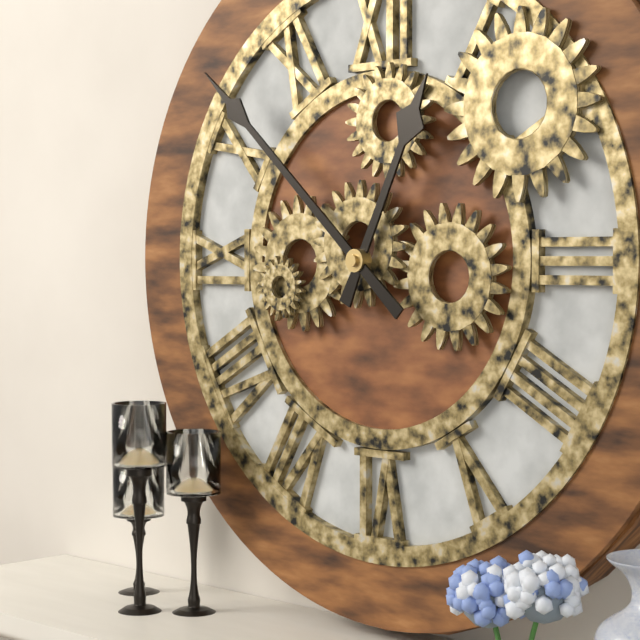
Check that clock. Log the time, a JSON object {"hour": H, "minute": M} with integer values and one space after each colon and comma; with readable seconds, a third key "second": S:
{"hour": 12, "minute": 52}
